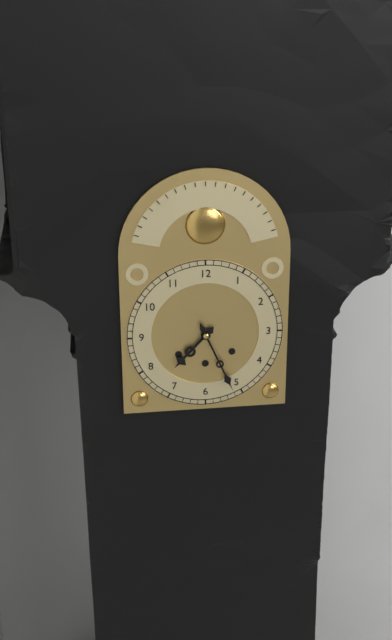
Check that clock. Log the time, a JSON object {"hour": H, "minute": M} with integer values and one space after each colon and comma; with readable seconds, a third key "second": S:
{"hour": 7, "minute": 26}
